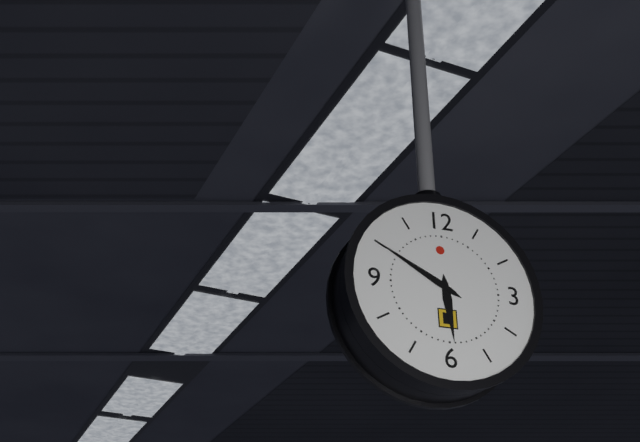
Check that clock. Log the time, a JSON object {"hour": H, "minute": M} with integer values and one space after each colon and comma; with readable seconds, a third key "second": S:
{"hour": 5, "minute": 50}
